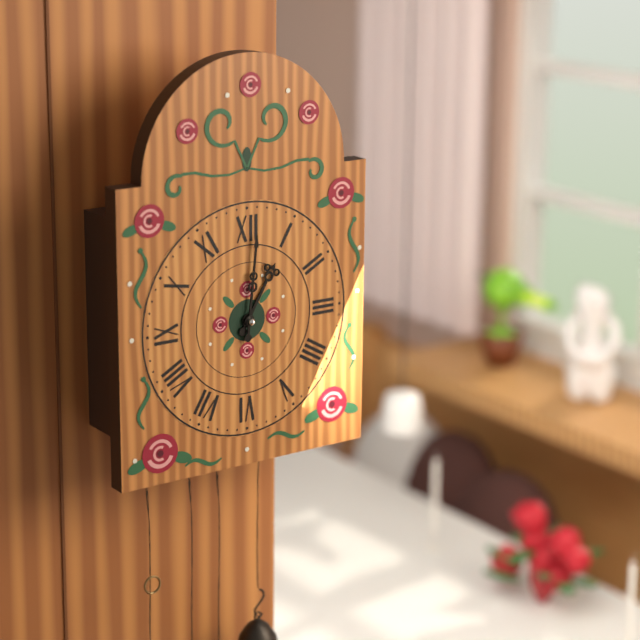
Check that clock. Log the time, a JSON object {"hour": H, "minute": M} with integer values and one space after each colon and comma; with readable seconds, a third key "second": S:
{"hour": 1, "minute": 1}
